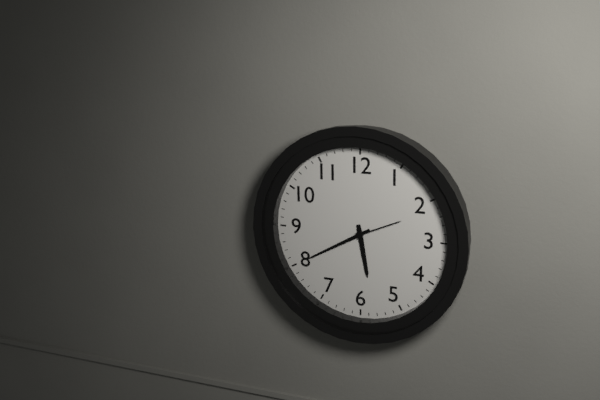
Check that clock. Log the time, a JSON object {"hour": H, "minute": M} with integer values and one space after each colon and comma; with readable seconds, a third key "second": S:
{"hour": 5, "minute": 40, "second": 11}
